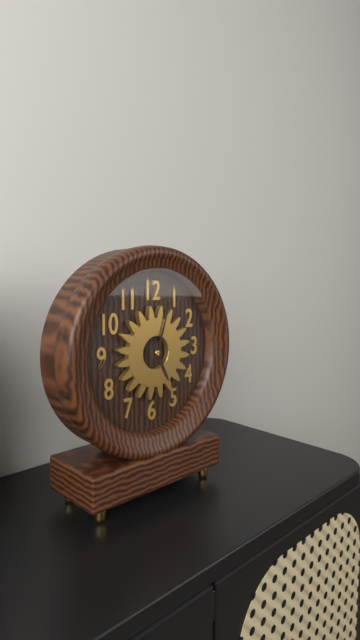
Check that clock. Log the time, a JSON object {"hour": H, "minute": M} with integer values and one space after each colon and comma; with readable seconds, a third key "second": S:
{"hour": 5, "minute": 3}
